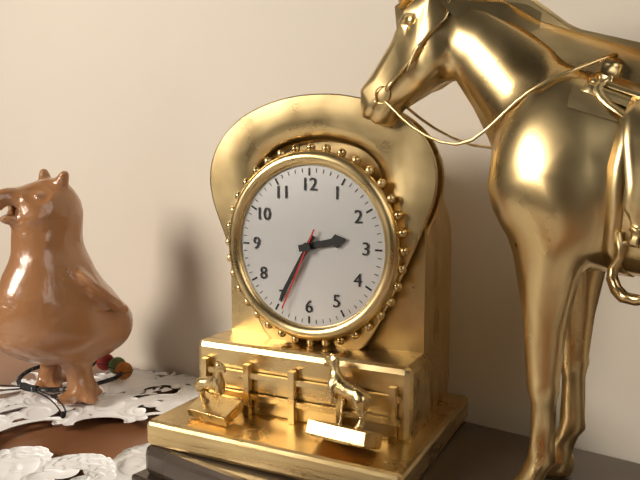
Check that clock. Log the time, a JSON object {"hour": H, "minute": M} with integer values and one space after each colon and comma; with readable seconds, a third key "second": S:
{"hour": 2, "minute": 35, "second": 34}
